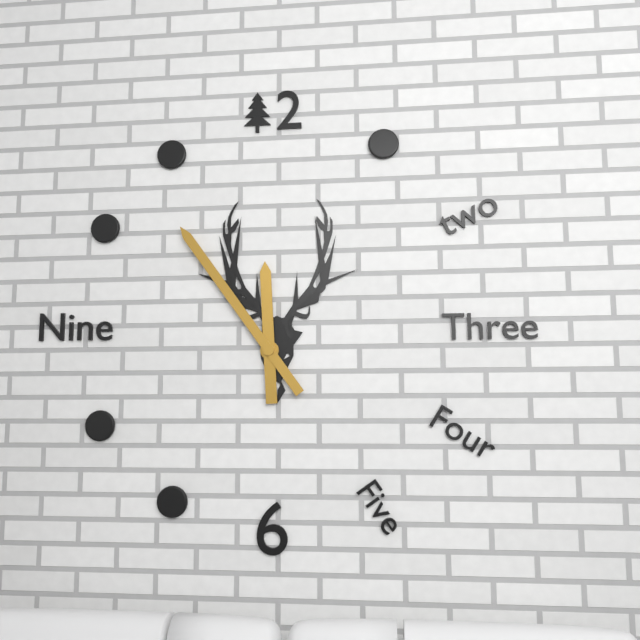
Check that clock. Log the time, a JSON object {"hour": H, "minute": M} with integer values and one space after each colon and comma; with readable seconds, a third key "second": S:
{"hour": 11, "minute": 54}
